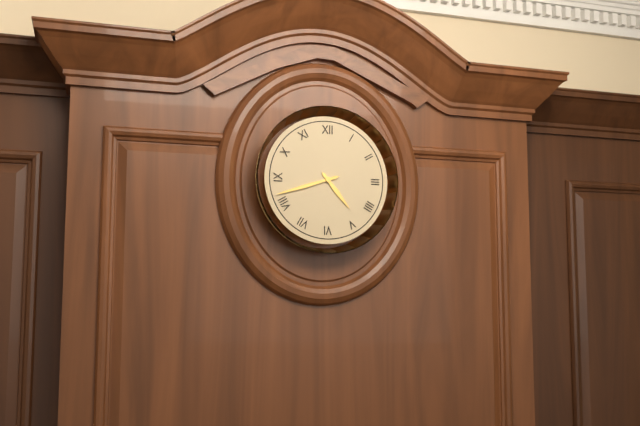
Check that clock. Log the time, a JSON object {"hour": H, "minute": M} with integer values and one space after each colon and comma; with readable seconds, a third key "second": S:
{"hour": 4, "minute": 42}
